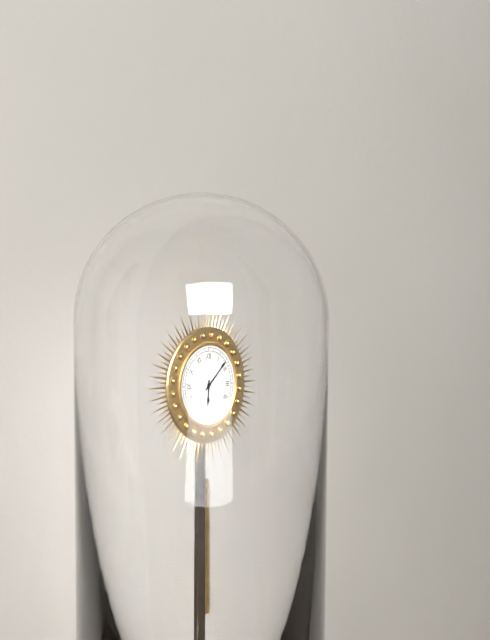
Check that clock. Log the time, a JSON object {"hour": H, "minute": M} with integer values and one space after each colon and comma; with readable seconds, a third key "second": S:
{"hour": 6, "minute": 8}
